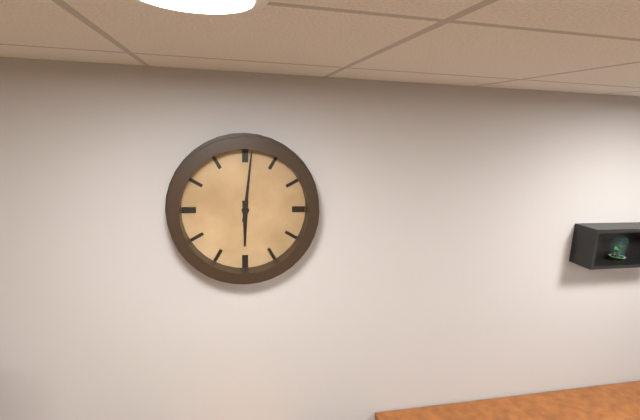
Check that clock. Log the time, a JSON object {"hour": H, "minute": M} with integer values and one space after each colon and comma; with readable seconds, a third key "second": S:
{"hour": 6, "minute": 1}
